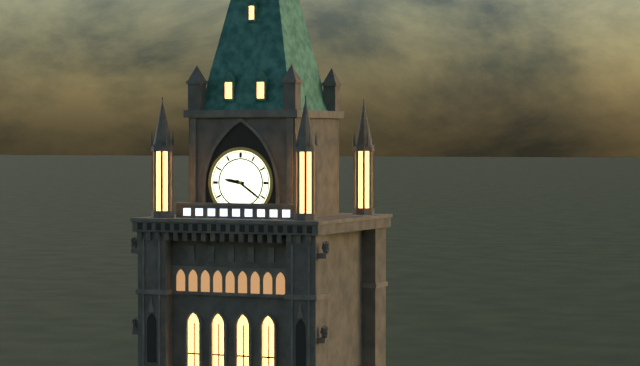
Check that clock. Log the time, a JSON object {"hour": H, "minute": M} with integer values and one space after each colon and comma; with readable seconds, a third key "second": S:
{"hour": 9, "minute": 21}
